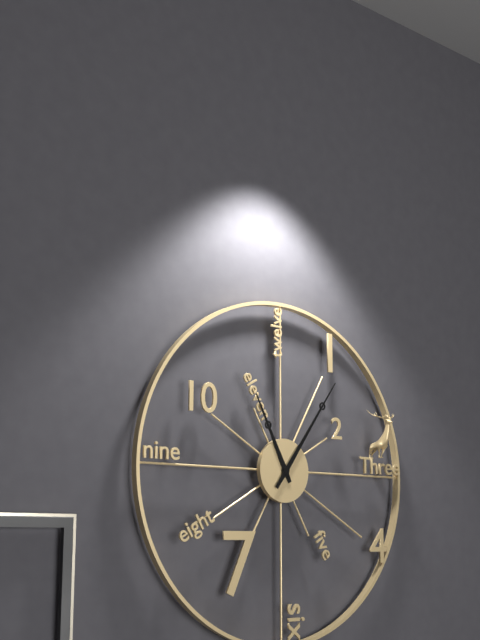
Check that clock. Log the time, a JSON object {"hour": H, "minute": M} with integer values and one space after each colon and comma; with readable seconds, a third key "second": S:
{"hour": 11, "minute": 6}
